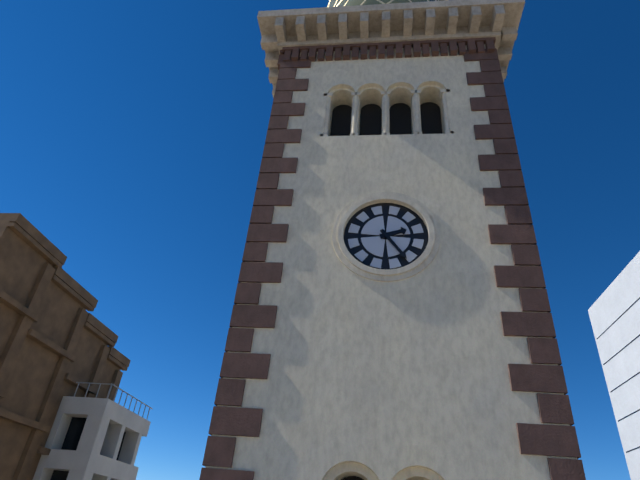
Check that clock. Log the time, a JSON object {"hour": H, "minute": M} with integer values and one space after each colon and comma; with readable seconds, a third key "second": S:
{"hour": 2, "minute": 24}
